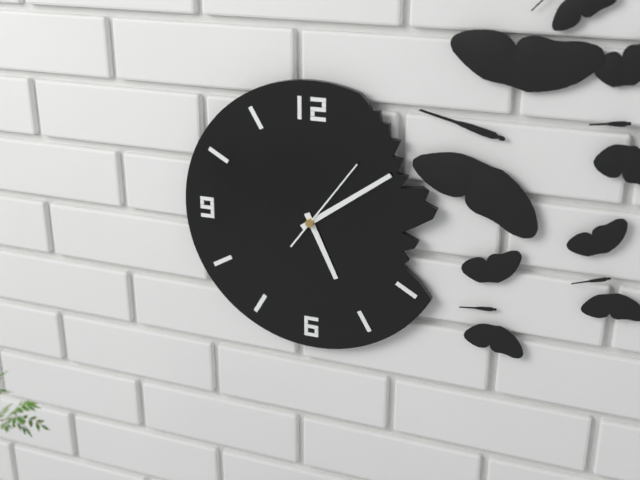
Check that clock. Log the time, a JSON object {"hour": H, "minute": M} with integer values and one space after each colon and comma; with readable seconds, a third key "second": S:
{"hour": 5, "minute": 9, "second": 6}
